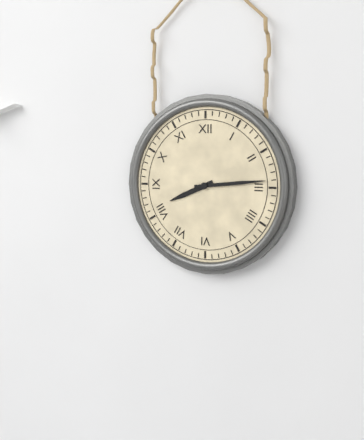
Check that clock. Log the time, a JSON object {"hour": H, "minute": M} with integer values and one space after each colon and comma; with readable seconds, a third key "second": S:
{"hour": 8, "minute": 14}
